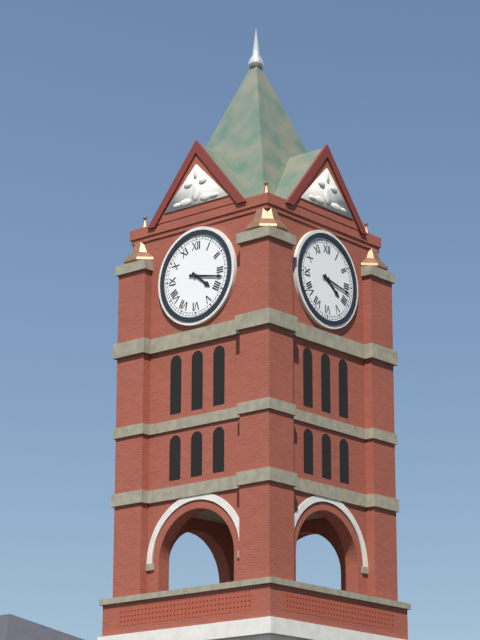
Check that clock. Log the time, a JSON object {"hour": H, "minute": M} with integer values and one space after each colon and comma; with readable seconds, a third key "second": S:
{"hour": 4, "minute": 17}
